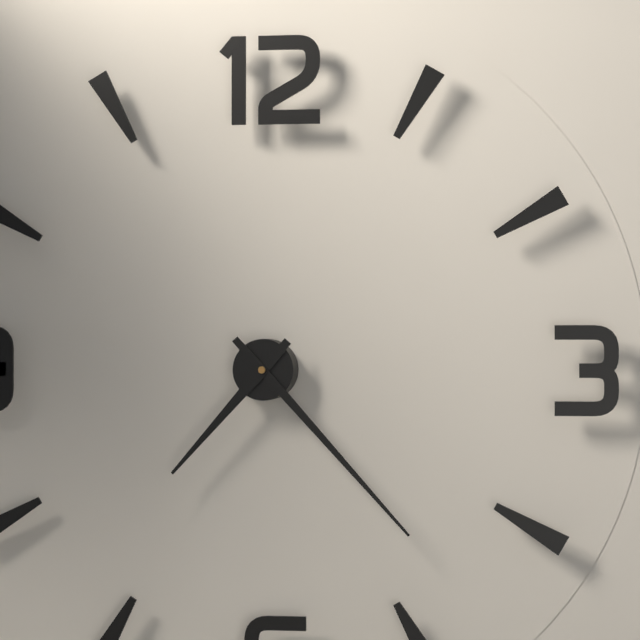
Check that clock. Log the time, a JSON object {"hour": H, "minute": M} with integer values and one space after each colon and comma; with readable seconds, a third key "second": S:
{"hour": 7, "minute": 23}
